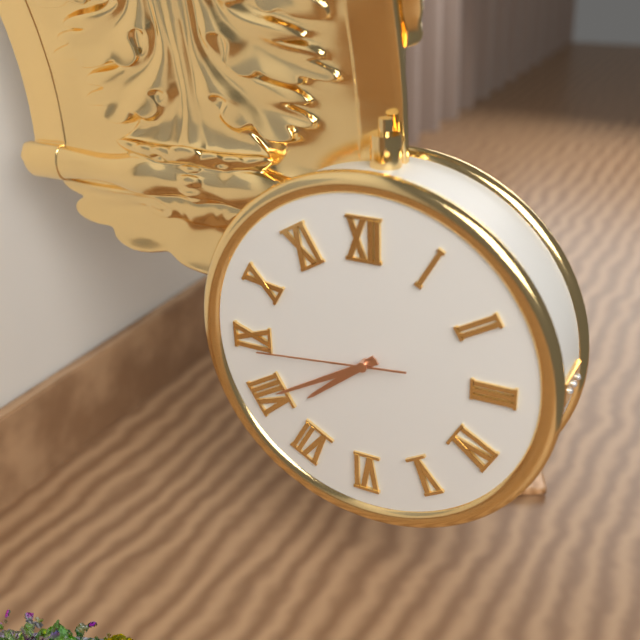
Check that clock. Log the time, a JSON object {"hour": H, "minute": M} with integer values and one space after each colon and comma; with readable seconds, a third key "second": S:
{"hour": 7, "minute": 40, "second": 44}
